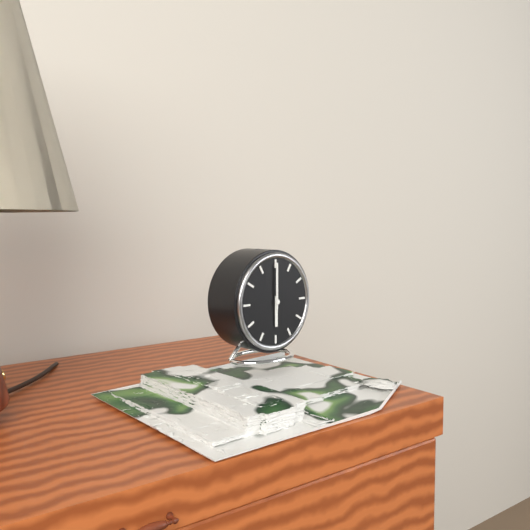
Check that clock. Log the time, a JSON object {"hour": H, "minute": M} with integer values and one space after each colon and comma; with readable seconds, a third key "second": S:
{"hour": 6, "minute": 0}
